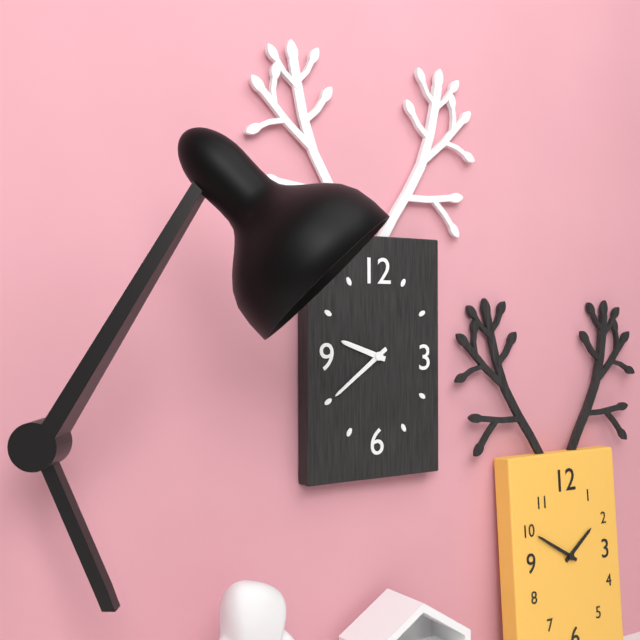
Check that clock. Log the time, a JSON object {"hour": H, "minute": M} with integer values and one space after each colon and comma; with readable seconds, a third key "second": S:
{"hour": 9, "minute": 39}
